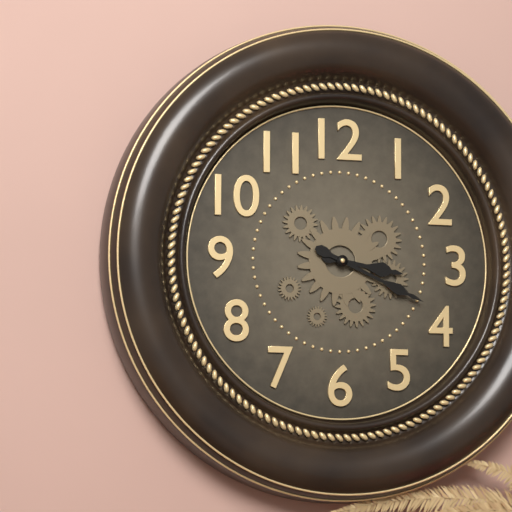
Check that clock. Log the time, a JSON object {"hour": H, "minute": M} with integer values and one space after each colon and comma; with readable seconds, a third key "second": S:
{"hour": 3, "minute": 19}
